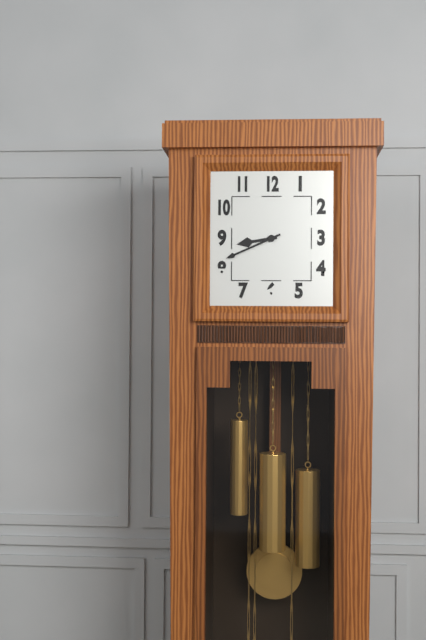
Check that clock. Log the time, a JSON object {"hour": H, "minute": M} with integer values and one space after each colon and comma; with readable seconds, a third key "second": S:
{"hour": 8, "minute": 41}
